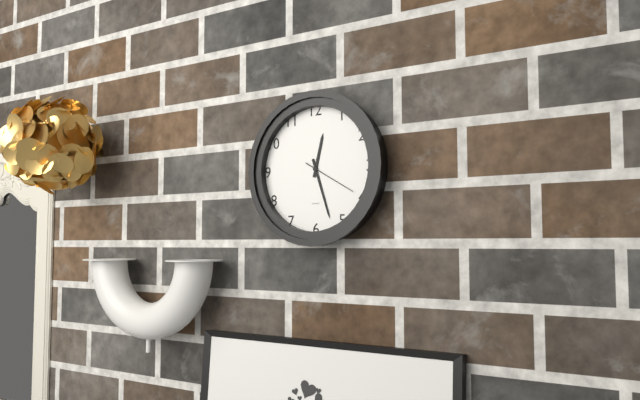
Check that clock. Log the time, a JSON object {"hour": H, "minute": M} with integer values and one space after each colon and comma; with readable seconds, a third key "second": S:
{"hour": 12, "minute": 27, "second": 20}
